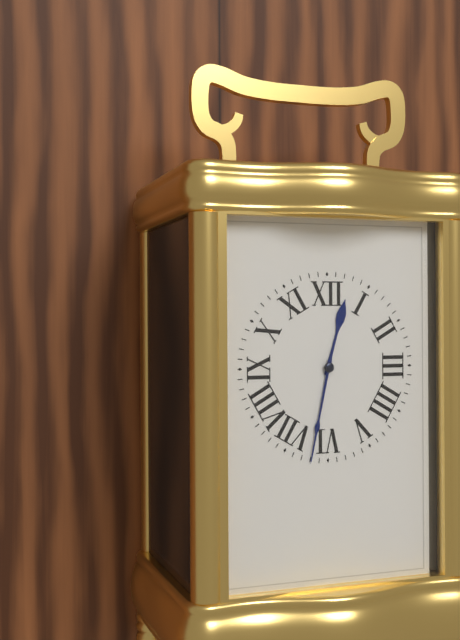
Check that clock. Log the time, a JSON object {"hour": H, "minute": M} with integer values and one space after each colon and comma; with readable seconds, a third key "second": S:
{"hour": 12, "minute": 32}
